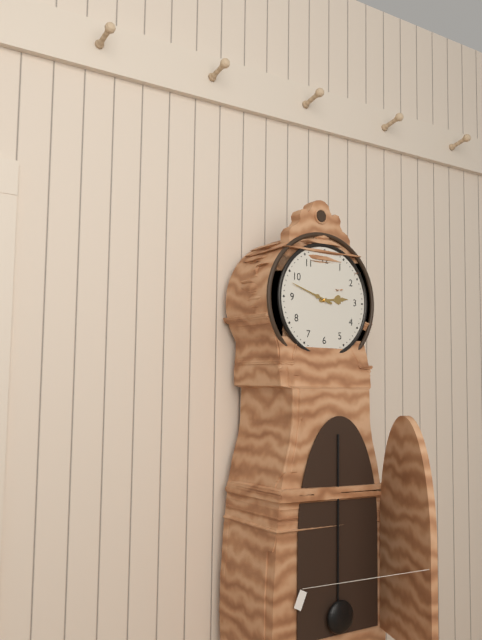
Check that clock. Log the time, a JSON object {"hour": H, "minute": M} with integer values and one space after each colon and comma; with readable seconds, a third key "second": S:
{"hour": 2, "minute": 48}
